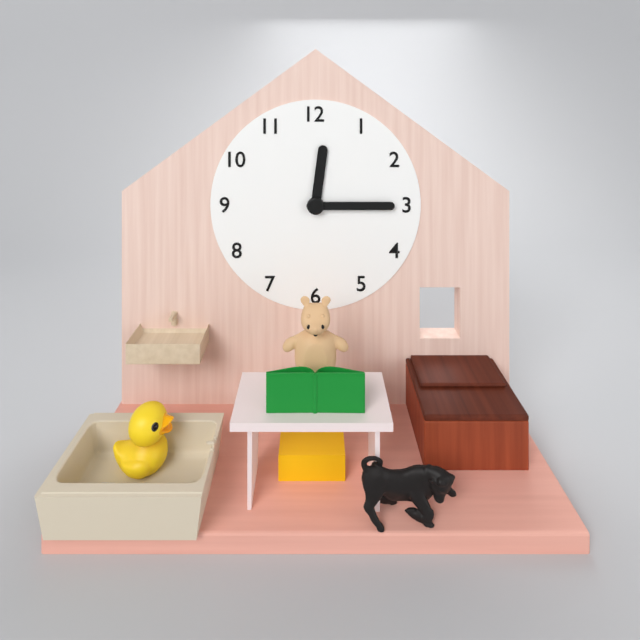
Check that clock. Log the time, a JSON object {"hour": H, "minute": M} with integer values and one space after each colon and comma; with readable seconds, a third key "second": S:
{"hour": 12, "minute": 15}
